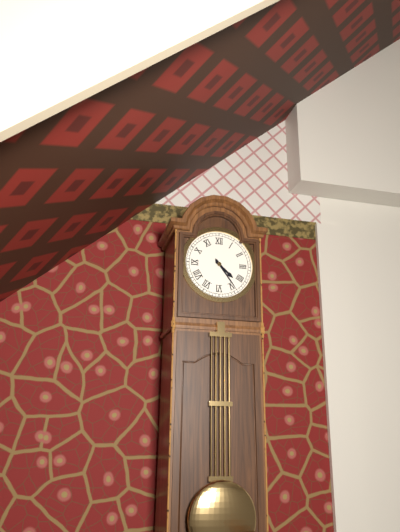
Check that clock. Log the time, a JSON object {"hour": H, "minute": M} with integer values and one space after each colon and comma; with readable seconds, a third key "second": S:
{"hour": 4, "minute": 24}
